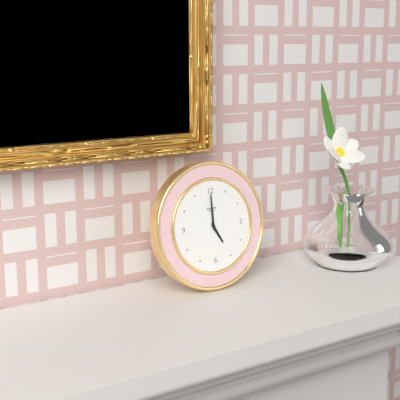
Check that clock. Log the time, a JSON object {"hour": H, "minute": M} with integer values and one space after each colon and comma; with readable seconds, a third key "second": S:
{"hour": 5, "minute": 0}
